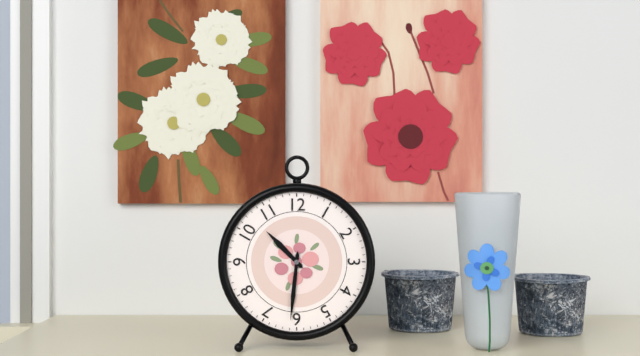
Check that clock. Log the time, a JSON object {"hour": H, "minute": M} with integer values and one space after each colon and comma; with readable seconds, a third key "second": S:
{"hour": 10, "minute": 31}
